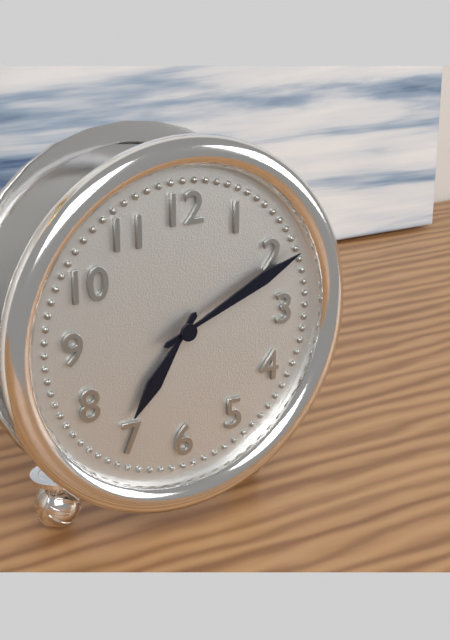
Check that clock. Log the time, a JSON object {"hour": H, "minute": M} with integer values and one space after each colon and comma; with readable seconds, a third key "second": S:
{"hour": 7, "minute": 11}
